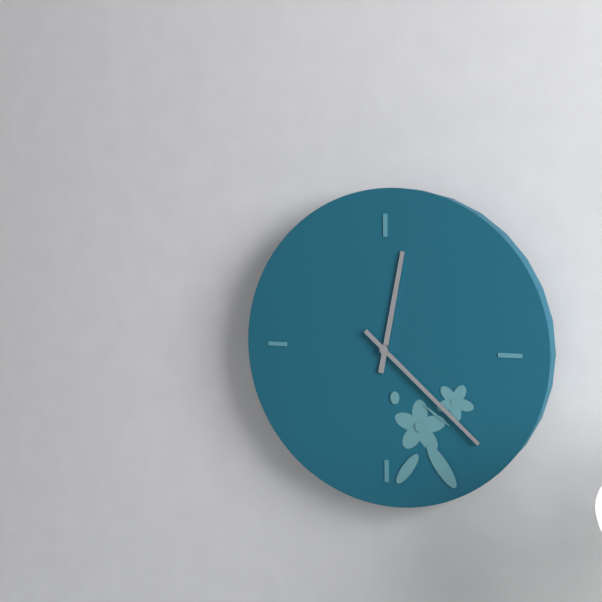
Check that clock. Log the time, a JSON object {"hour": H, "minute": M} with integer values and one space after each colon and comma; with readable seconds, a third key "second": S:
{"hour": 12, "minute": 22}
